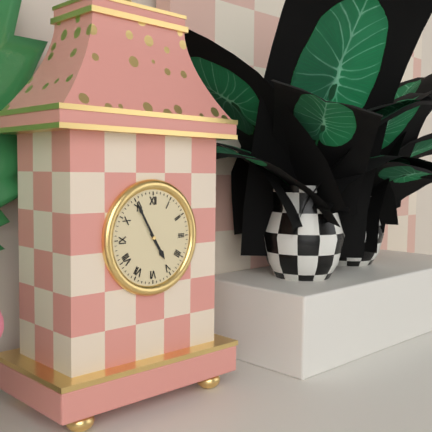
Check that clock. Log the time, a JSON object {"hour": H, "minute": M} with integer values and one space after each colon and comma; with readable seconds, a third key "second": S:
{"hour": 4, "minute": 55}
